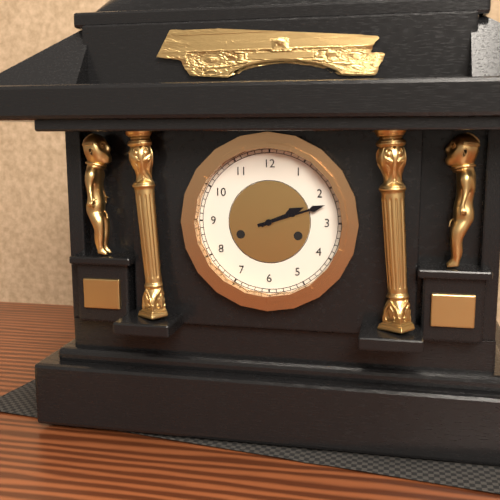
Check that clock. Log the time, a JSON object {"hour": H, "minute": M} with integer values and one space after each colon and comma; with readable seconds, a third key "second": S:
{"hour": 2, "minute": 12}
